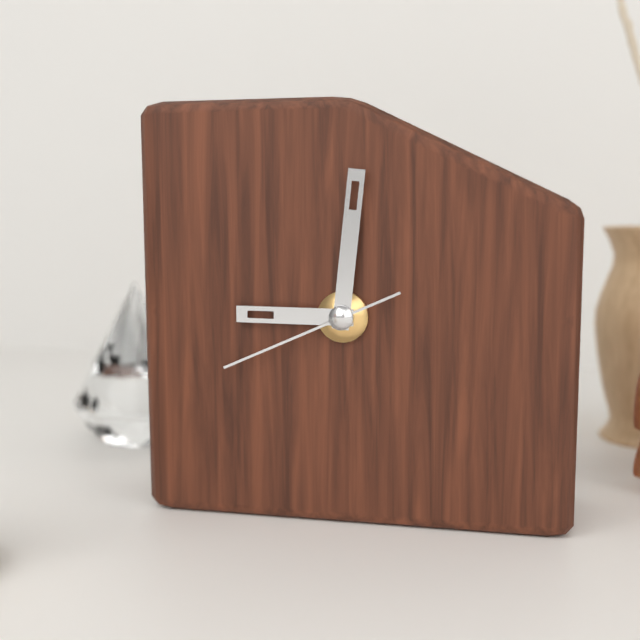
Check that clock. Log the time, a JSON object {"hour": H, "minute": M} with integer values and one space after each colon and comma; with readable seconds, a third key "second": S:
{"hour": 9, "minute": 1, "second": 41}
